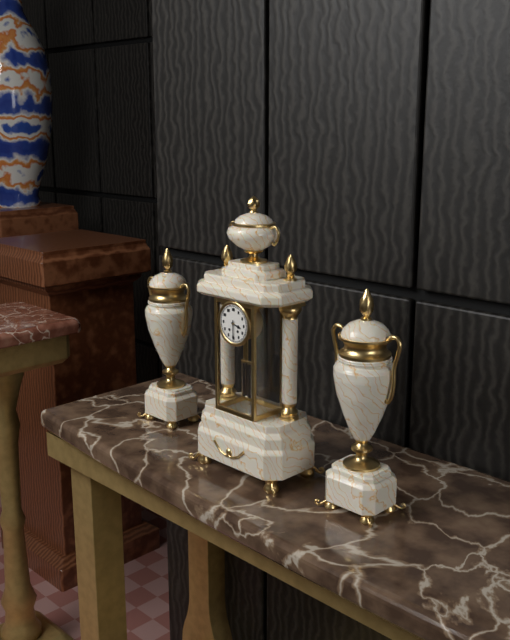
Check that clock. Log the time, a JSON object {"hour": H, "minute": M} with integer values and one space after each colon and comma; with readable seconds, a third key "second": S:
{"hour": 3, "minute": 30}
